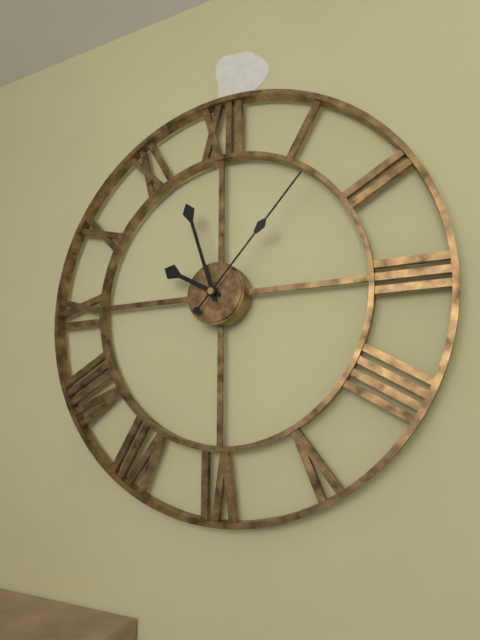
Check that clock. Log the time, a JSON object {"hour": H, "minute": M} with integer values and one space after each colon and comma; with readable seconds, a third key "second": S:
{"hour": 9, "minute": 57, "second": 7}
